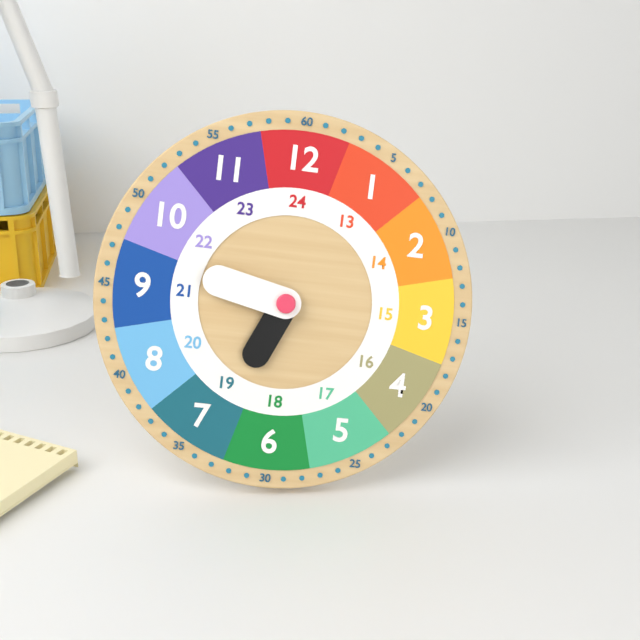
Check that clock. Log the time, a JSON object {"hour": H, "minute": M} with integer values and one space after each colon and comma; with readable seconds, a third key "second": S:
{"hour": 6, "minute": 47}
